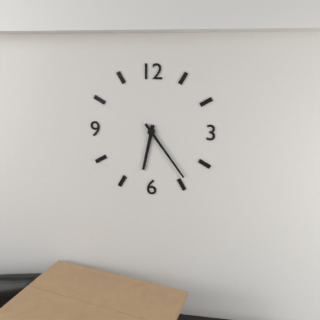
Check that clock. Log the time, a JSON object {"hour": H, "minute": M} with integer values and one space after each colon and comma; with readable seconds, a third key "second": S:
{"hour": 6, "minute": 24}
